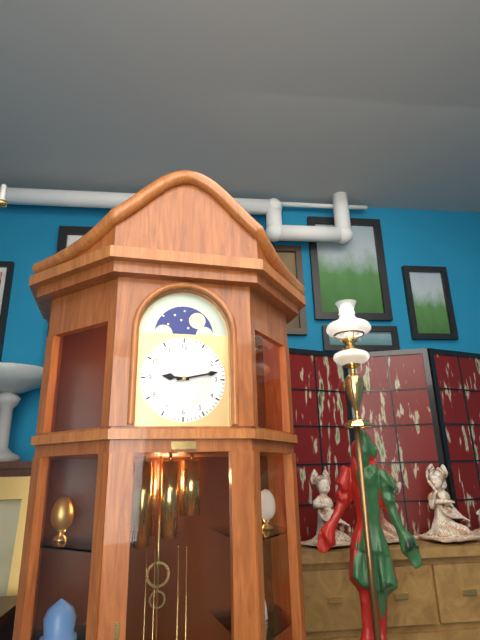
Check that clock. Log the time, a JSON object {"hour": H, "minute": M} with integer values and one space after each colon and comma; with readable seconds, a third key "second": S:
{"hour": 9, "minute": 13}
